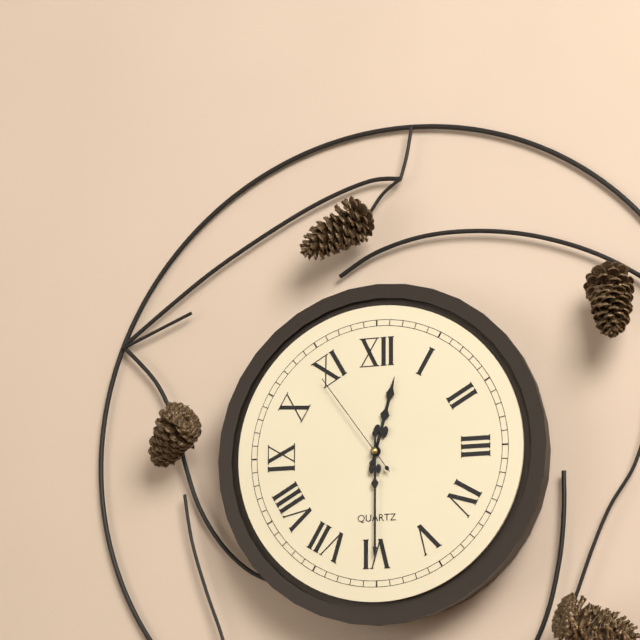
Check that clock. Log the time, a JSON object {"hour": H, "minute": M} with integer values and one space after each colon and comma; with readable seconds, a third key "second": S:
{"hour": 12, "minute": 30, "second": 54}
